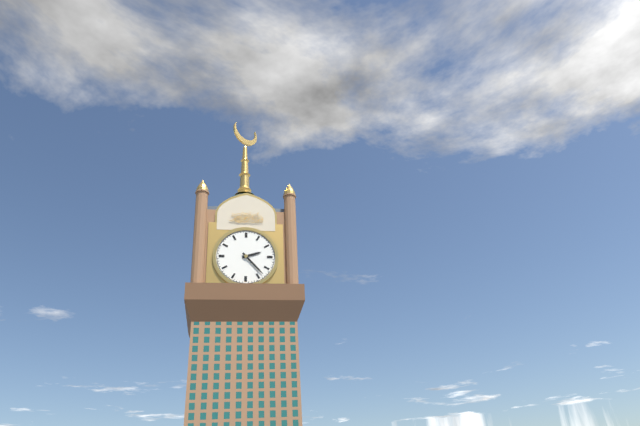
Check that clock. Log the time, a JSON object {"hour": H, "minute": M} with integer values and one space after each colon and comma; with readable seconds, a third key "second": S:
{"hour": 2, "minute": 23}
